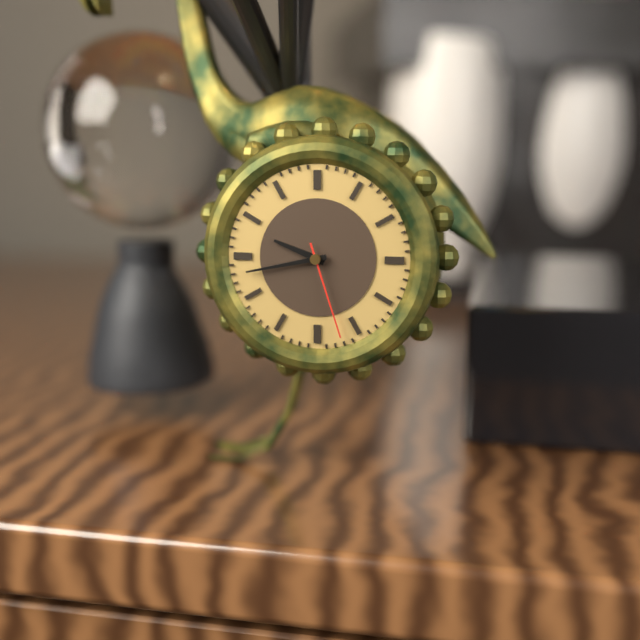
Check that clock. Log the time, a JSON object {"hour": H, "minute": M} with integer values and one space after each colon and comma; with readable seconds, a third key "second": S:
{"hour": 9, "minute": 43, "second": 27}
